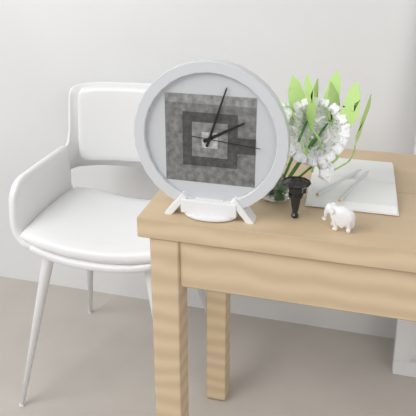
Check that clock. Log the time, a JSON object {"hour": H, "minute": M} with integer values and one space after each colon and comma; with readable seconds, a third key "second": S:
{"hour": 2, "minute": 3, "second": 16}
